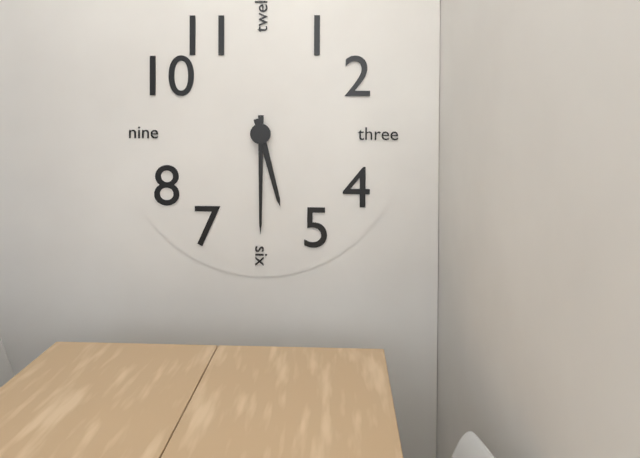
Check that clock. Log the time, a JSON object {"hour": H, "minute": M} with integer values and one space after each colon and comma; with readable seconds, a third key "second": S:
{"hour": 5, "minute": 30}
